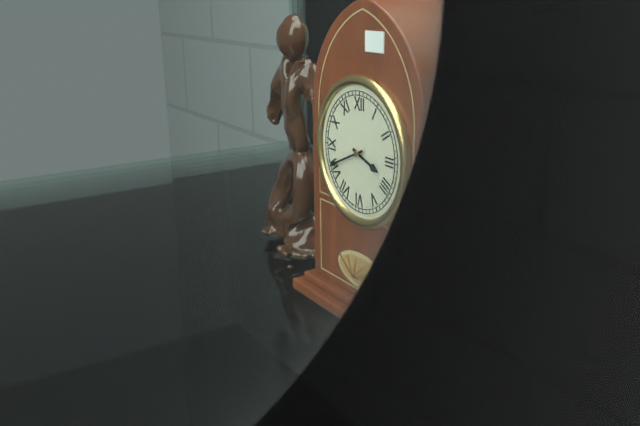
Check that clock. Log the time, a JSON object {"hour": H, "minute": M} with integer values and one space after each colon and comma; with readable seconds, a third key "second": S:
{"hour": 3, "minute": 41}
